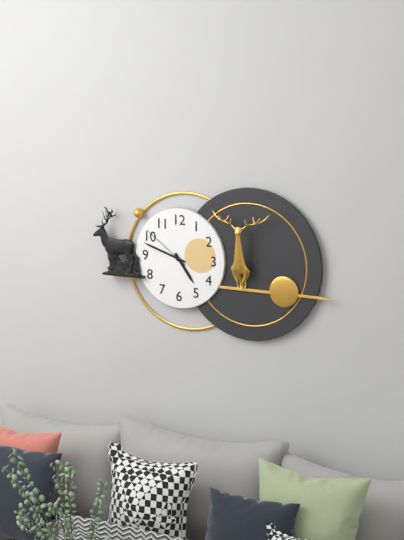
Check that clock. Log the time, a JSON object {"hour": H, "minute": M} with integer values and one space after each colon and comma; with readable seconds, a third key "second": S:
{"hour": 4, "minute": 48, "second": 51}
